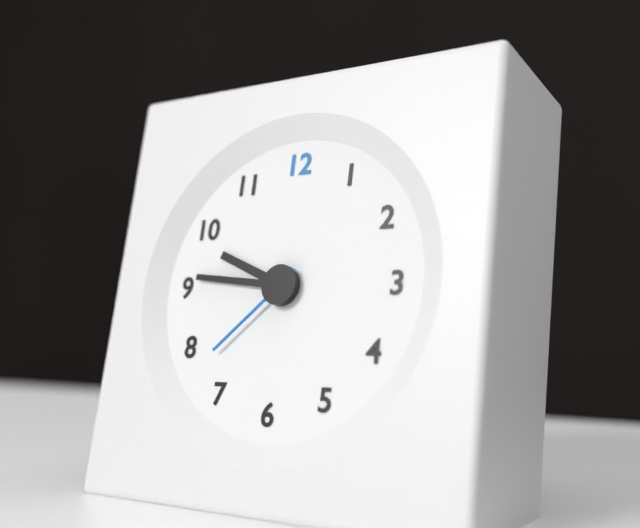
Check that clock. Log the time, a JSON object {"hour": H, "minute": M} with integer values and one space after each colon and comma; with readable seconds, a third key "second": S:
{"hour": 9, "minute": 46, "second": 38}
